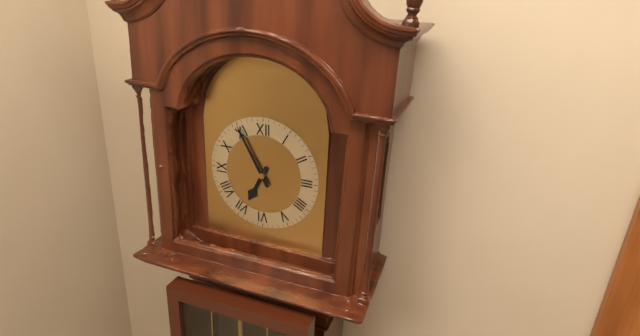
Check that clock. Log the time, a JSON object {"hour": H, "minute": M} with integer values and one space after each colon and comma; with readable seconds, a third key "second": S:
{"hour": 6, "minute": 55}
